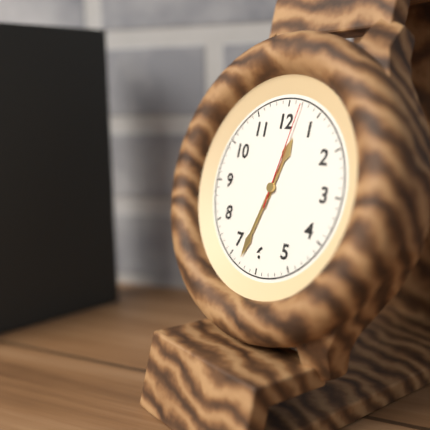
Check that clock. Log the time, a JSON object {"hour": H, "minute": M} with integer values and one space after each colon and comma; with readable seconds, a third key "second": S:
{"hour": 12, "minute": 33, "second": 2}
